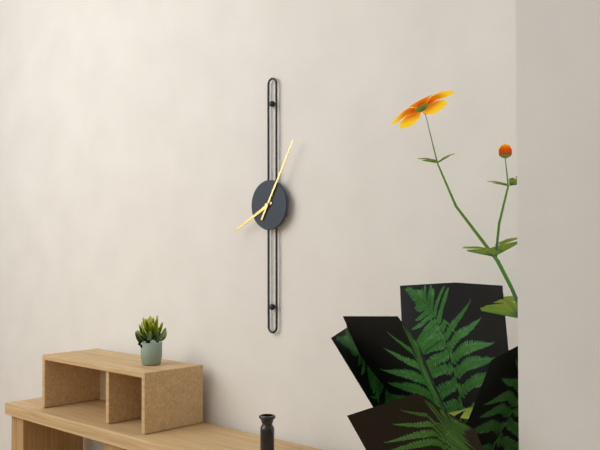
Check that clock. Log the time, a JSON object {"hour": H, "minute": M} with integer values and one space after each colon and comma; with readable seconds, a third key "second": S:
{"hour": 8, "minute": 5}
